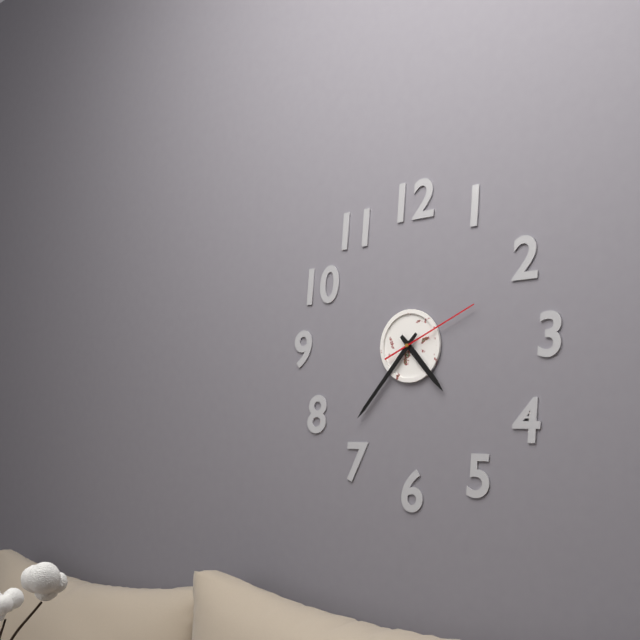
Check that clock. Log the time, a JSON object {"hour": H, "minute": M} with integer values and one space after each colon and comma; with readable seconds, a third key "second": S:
{"hour": 4, "minute": 37, "second": 11}
